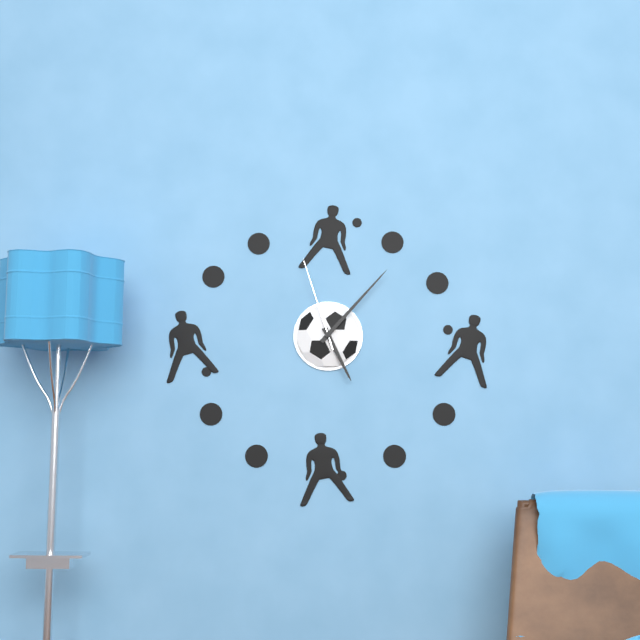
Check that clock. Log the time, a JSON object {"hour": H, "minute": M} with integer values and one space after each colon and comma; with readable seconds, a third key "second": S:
{"hour": 5, "minute": 7, "second": 57}
